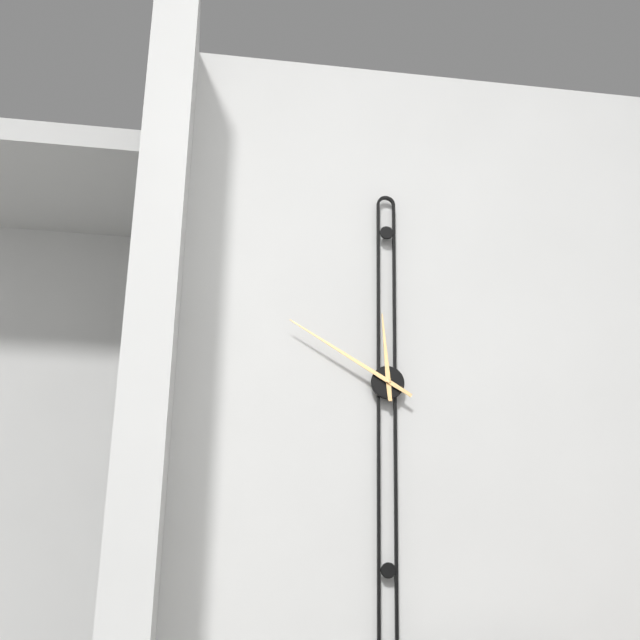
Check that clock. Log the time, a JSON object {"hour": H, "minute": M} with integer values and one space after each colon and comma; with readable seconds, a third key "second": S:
{"hour": 11, "minute": 50}
